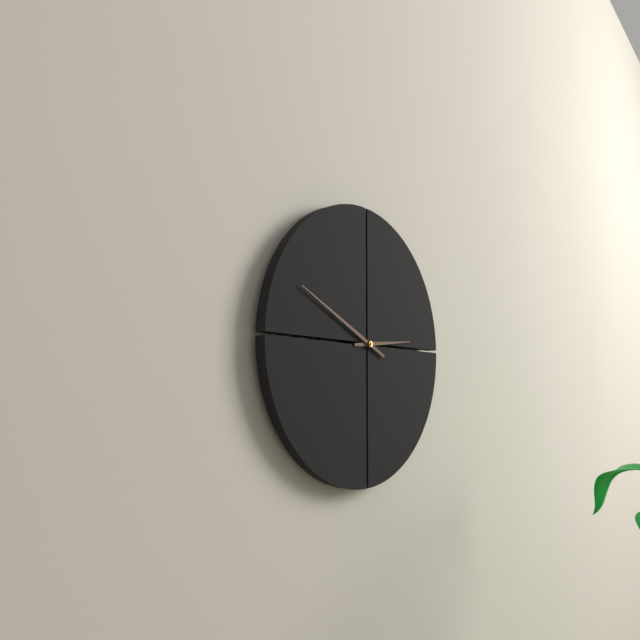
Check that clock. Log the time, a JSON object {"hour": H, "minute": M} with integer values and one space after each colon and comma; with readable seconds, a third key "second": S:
{"hour": 2, "minute": 49}
